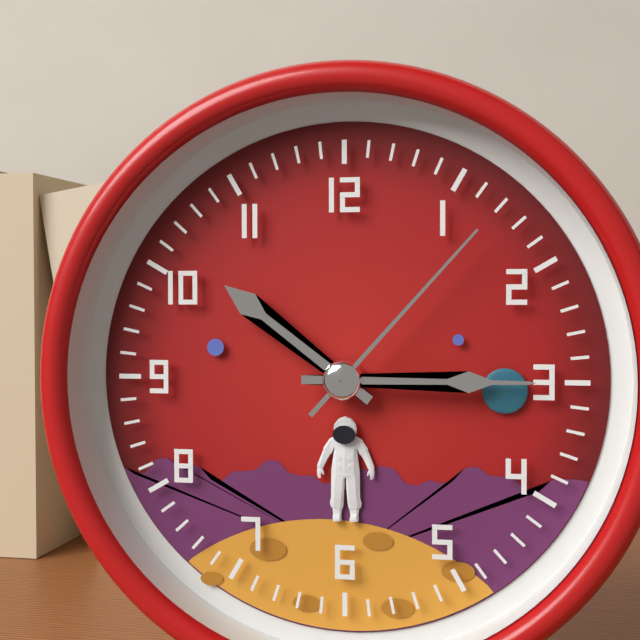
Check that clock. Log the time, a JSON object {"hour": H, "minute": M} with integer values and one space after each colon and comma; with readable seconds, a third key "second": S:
{"hour": 10, "minute": 15, "second": 7}
